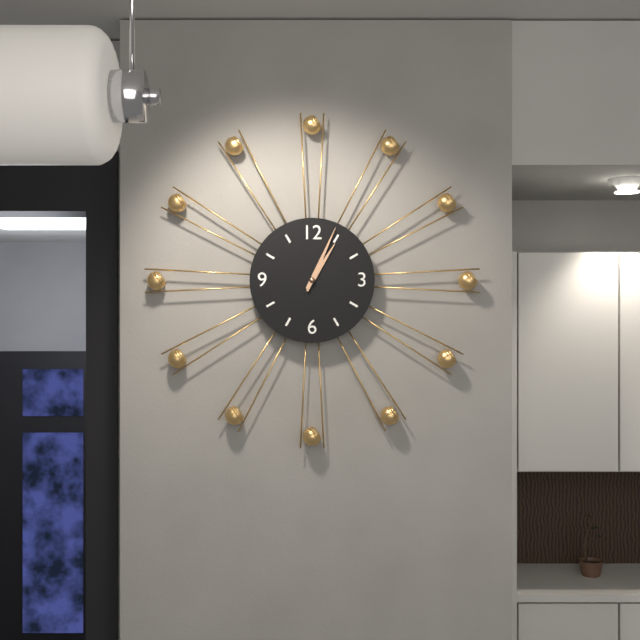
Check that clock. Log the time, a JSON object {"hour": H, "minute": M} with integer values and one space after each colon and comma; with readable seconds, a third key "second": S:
{"hour": 1, "minute": 4}
